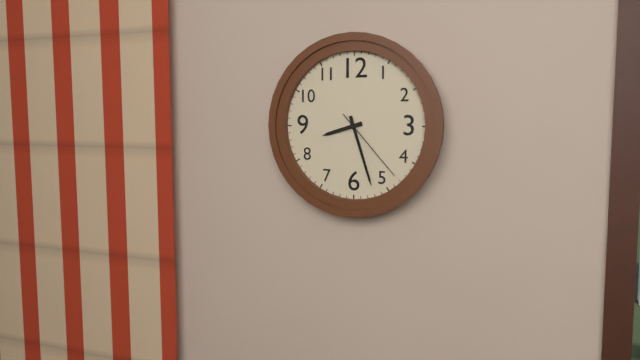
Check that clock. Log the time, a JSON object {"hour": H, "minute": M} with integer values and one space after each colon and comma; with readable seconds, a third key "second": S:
{"hour": 8, "minute": 27, "second": 23}
